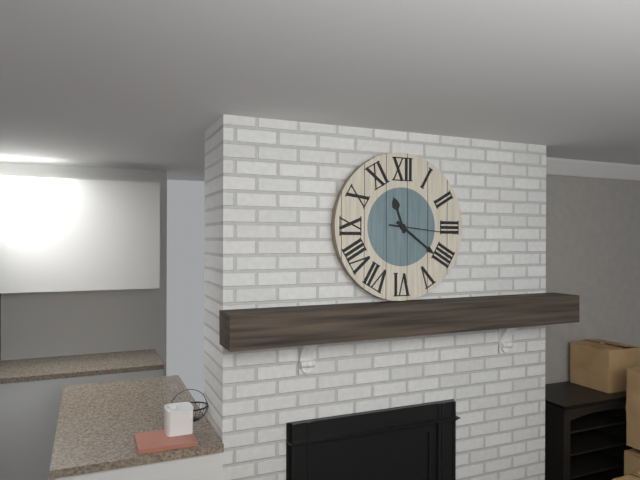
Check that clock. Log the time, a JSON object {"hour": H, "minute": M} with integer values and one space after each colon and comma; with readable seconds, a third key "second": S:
{"hour": 11, "minute": 21, "second": 16}
